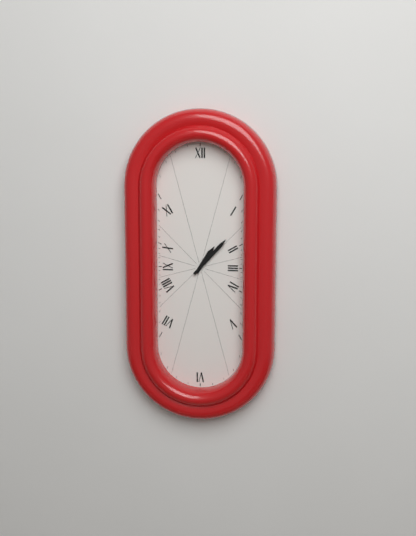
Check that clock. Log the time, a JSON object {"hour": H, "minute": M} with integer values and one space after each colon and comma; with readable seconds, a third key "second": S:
{"hour": 1, "minute": 7}
